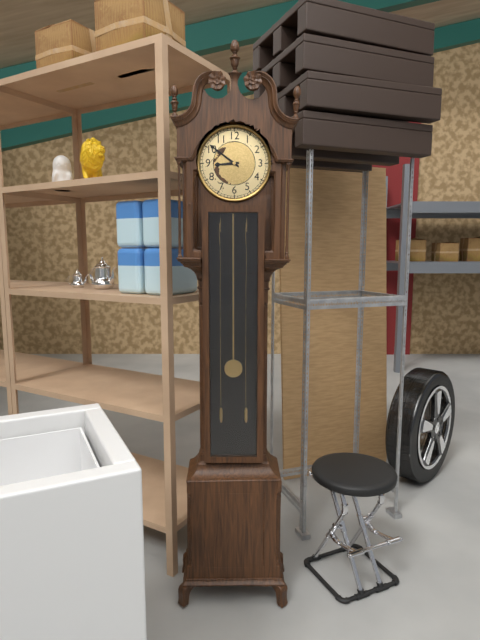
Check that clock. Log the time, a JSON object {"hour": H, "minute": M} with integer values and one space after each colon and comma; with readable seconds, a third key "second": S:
{"hour": 8, "minute": 51}
